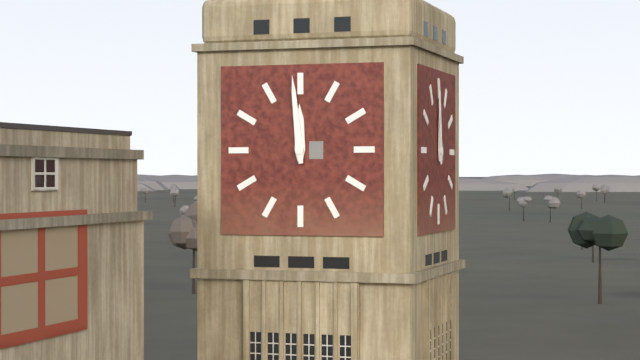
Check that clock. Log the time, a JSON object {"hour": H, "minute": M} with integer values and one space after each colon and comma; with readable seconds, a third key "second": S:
{"hour": 11, "minute": 59}
